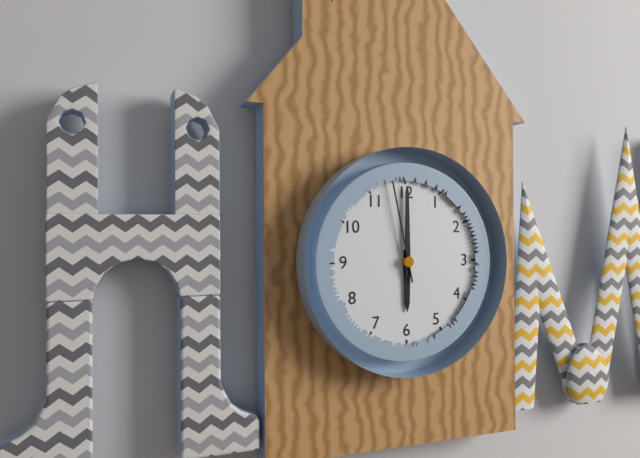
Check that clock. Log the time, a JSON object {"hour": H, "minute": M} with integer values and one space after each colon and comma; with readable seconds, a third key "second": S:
{"hour": 6, "minute": 0, "second": 58}
